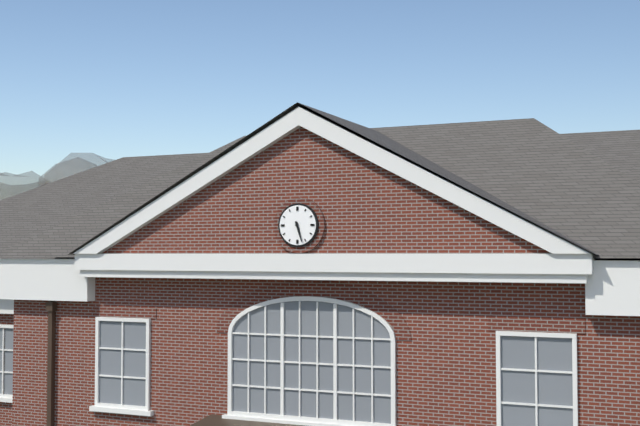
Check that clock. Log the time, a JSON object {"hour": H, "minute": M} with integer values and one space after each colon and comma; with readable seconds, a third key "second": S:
{"hour": 5, "minute": 27}
